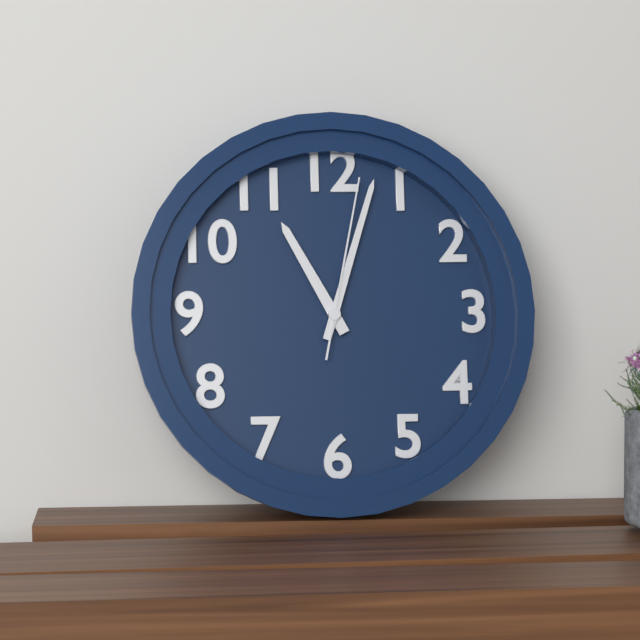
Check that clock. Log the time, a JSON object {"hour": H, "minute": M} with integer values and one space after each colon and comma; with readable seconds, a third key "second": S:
{"hour": 11, "minute": 3, "second": 2}
